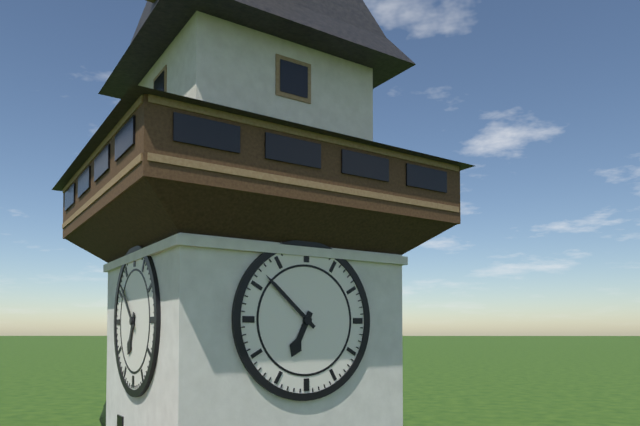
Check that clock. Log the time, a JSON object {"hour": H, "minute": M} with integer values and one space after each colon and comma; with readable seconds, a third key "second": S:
{"hour": 6, "minute": 52}
